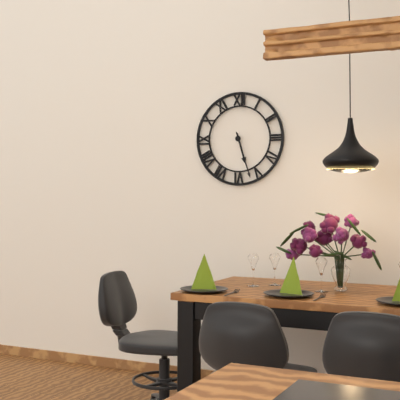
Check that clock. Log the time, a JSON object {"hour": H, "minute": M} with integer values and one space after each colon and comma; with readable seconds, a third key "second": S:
{"hour": 5, "minute": 27}
